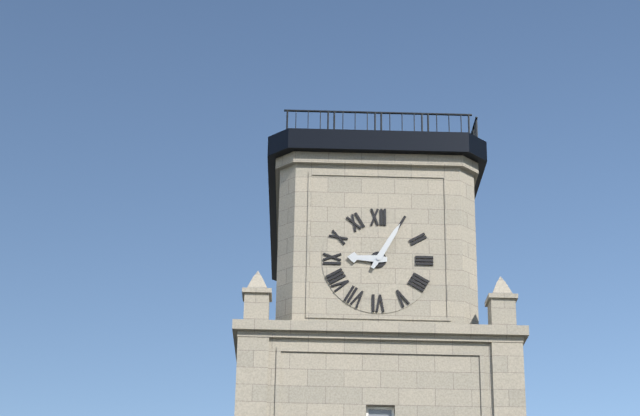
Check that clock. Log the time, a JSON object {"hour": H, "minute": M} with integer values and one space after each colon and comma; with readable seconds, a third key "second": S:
{"hour": 9, "minute": 5}
